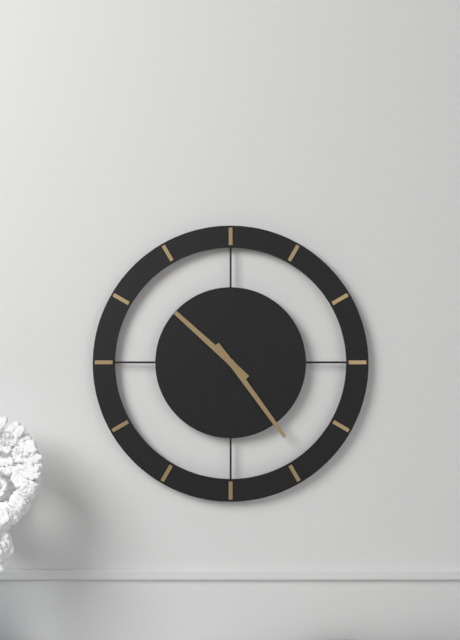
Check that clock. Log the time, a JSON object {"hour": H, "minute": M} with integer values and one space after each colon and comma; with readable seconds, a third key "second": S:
{"hour": 10, "minute": 24}
